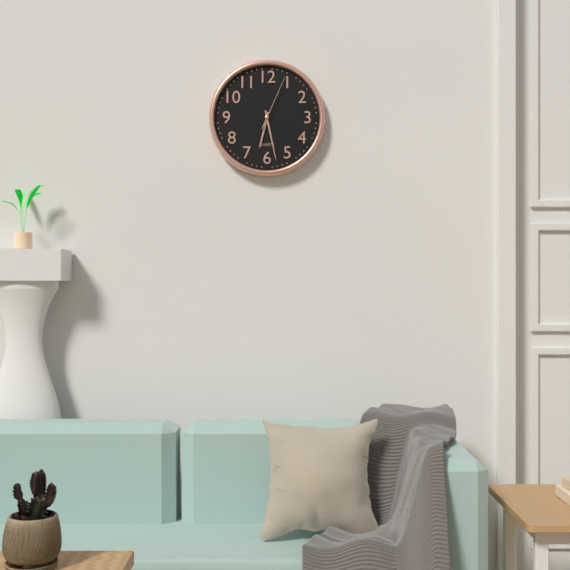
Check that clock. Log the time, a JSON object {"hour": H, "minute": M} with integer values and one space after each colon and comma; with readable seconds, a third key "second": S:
{"hour": 6, "minute": 28, "second": 4}
